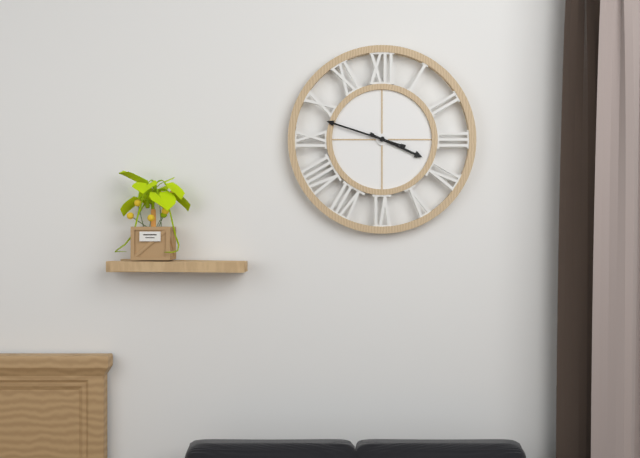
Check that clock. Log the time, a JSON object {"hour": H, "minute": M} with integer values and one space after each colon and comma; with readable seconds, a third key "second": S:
{"hour": 3, "minute": 48}
